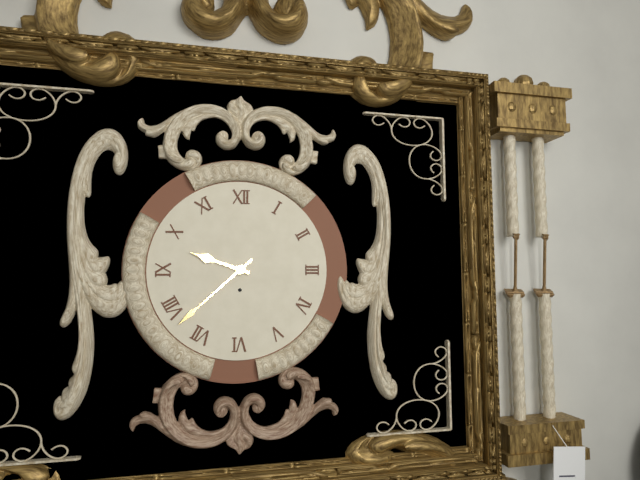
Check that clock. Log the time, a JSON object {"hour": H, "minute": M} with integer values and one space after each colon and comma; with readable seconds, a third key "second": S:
{"hour": 9, "minute": 38}
